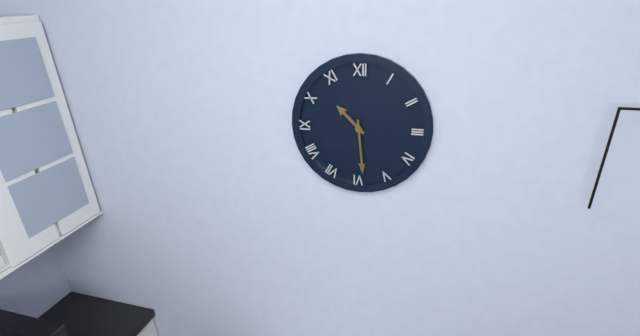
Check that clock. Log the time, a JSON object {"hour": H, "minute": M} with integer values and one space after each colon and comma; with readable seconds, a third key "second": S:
{"hour": 10, "minute": 29}
